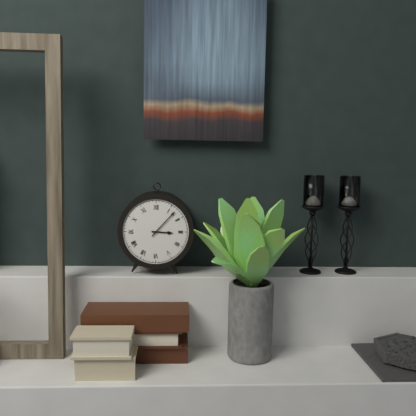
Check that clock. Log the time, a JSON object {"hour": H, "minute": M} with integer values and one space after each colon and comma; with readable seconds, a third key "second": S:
{"hour": 3, "minute": 7}
